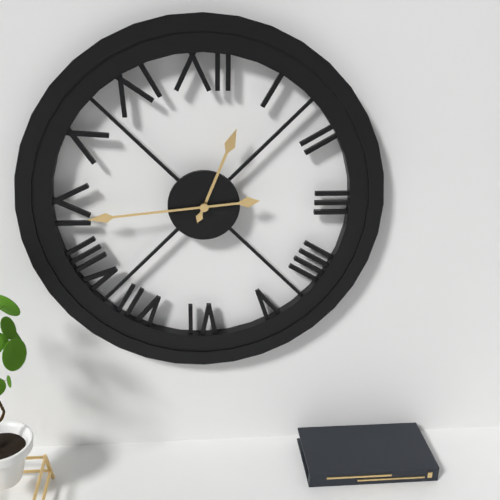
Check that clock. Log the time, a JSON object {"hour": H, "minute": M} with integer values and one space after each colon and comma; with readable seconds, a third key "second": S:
{"hour": 12, "minute": 44}
